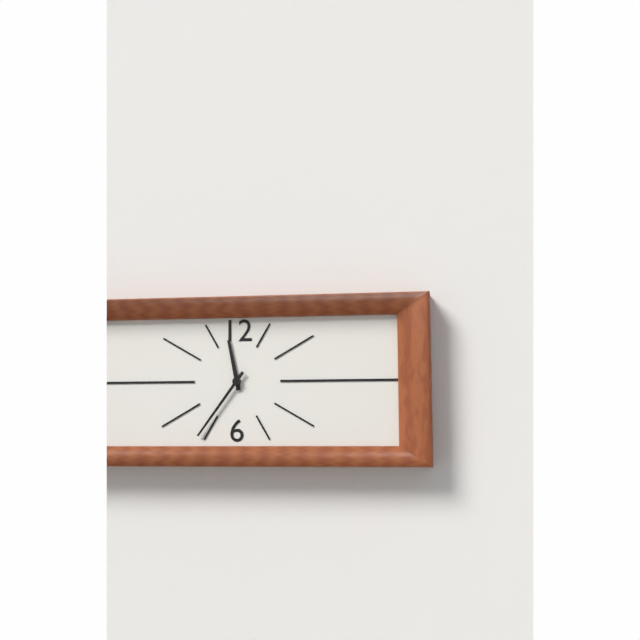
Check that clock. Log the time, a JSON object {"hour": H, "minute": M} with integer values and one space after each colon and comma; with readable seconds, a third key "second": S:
{"hour": 11, "minute": 36}
